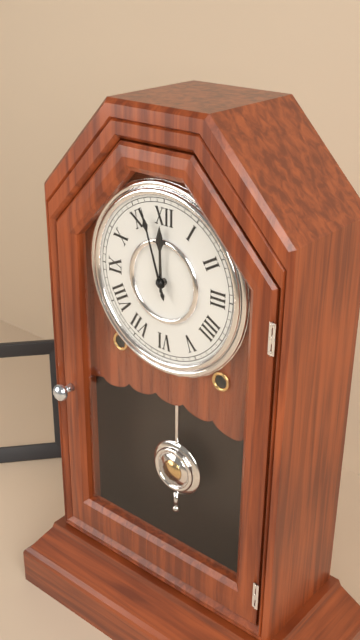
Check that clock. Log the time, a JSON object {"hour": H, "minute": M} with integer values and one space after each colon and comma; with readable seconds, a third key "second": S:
{"hour": 11, "minute": 57}
